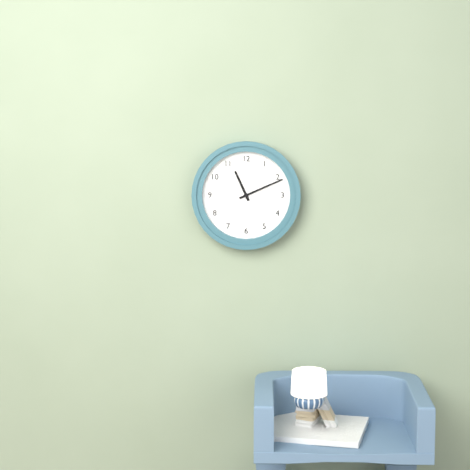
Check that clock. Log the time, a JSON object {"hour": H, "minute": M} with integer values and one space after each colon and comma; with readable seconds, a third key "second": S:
{"hour": 11, "minute": 11}
